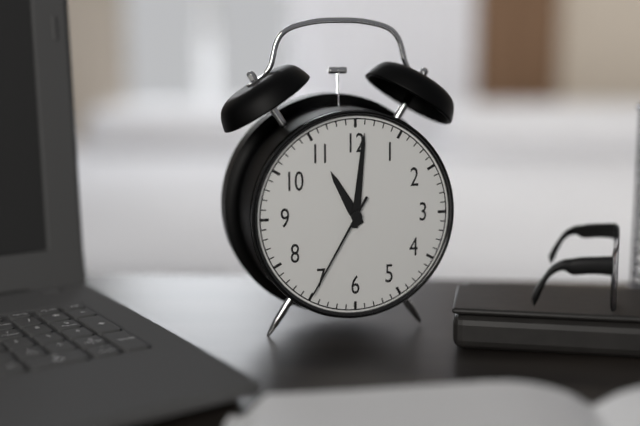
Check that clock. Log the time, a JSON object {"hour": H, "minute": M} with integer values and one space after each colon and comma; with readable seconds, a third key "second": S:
{"hour": 11, "minute": 1, "second": 35}
